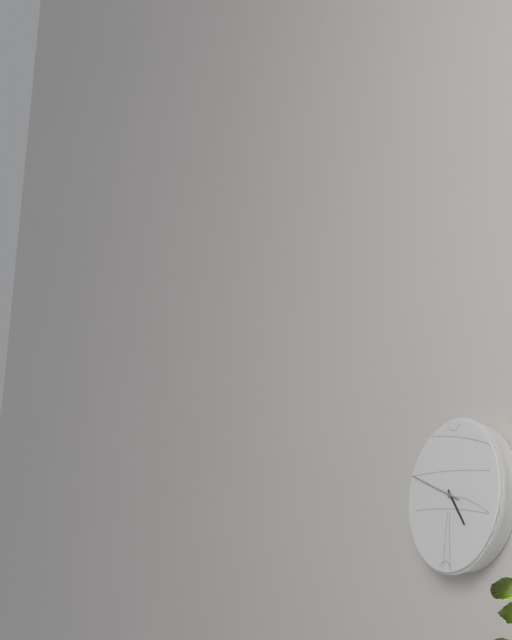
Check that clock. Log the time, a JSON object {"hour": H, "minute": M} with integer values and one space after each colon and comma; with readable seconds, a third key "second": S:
{"hour": 4, "minute": 49}
